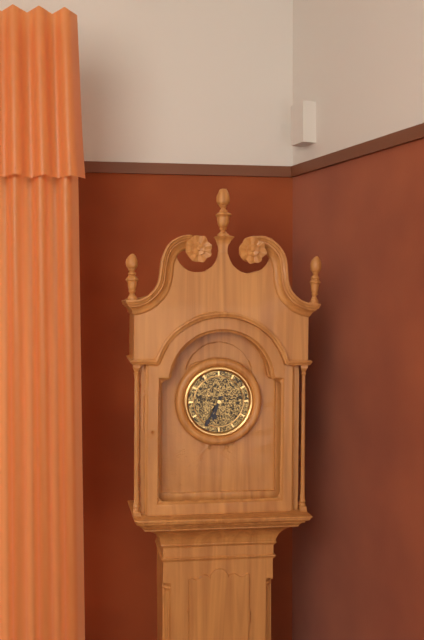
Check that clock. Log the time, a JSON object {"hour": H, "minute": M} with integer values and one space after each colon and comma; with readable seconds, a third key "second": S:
{"hour": 6, "minute": 35}
